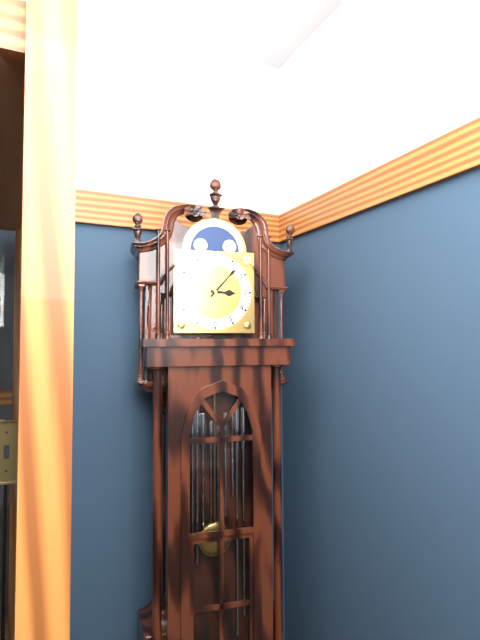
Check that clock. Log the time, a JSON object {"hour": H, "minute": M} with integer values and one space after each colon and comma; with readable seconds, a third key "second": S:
{"hour": 3, "minute": 7}
